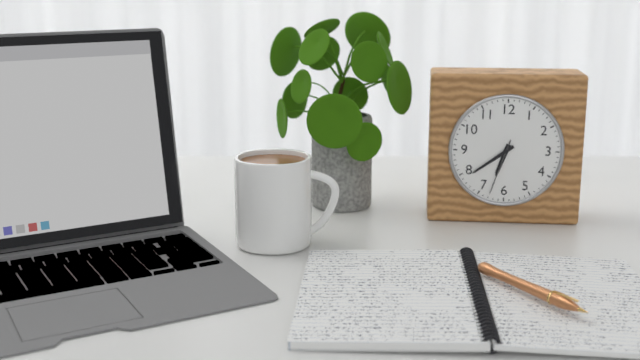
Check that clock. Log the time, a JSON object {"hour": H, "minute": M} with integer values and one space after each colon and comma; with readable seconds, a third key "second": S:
{"hour": 6, "minute": 39, "second": 33}
